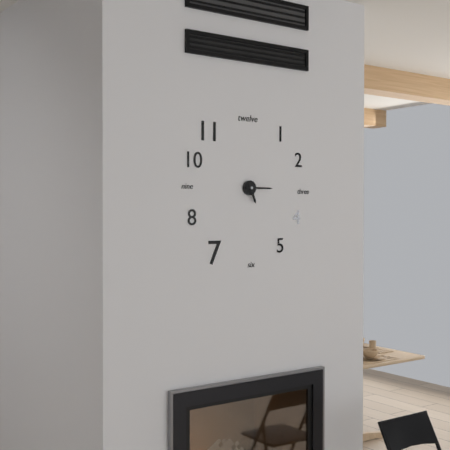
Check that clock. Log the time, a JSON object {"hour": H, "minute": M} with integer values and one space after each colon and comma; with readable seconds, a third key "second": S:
{"hour": 5, "minute": 15}
